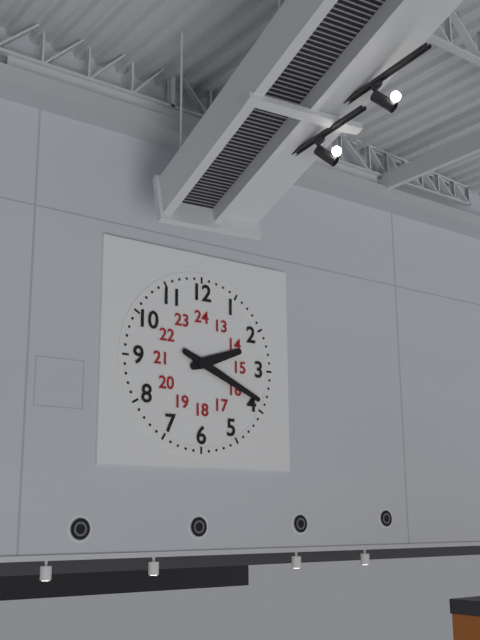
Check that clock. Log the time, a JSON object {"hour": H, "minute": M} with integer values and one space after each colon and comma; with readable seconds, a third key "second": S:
{"hour": 2, "minute": 19}
